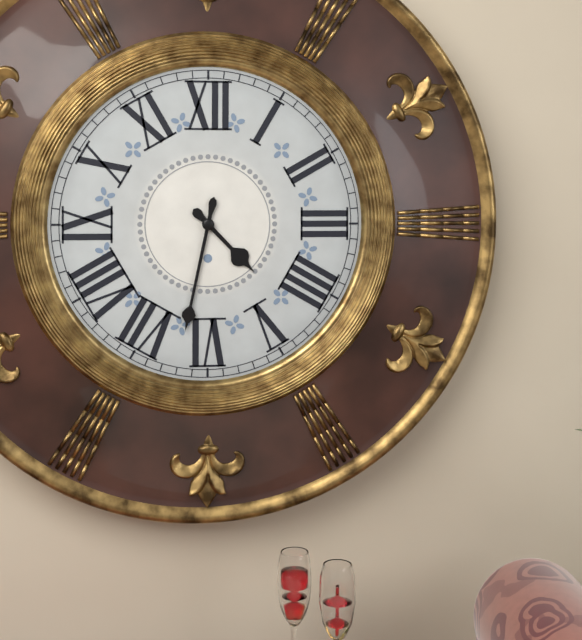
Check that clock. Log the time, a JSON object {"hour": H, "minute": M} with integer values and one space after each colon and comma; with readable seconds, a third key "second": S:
{"hour": 4, "minute": 32}
